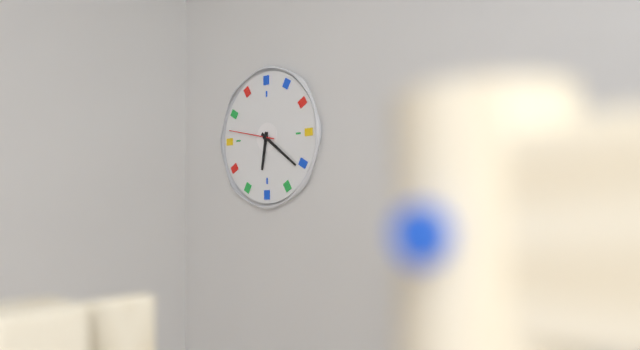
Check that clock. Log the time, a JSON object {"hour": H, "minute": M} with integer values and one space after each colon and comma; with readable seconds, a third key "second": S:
{"hour": 6, "minute": 21}
